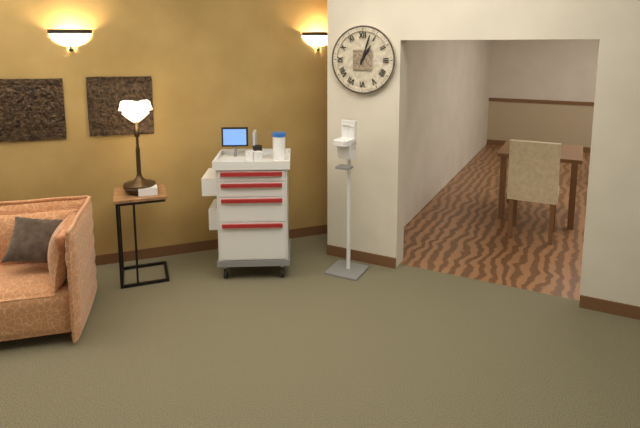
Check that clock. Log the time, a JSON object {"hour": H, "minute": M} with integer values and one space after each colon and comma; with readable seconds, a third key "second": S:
{"hour": 1, "minute": 3}
